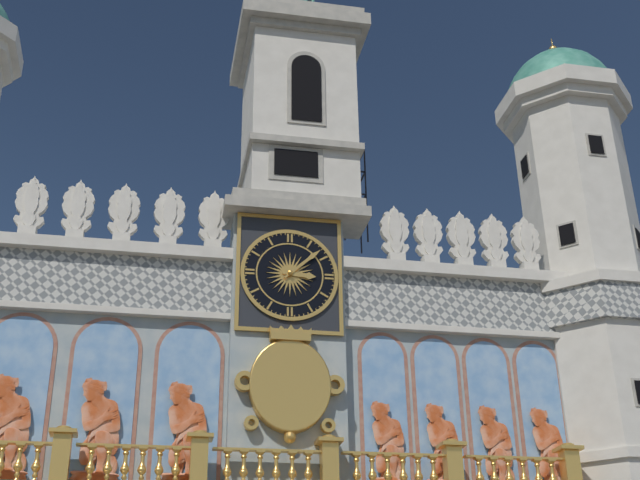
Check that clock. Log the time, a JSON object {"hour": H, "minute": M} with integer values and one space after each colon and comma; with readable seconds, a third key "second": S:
{"hour": 3, "minute": 8}
